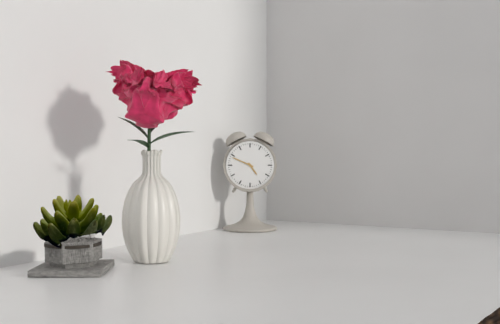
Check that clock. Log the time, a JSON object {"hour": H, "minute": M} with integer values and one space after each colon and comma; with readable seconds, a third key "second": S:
{"hour": 4, "minute": 49}
